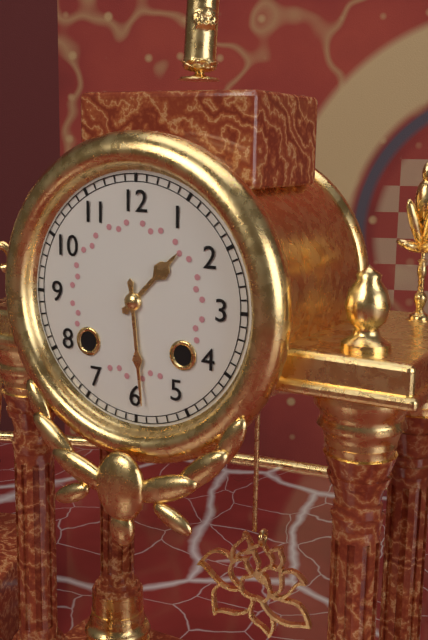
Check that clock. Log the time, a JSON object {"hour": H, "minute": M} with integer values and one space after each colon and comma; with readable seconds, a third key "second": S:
{"hour": 1, "minute": 29}
